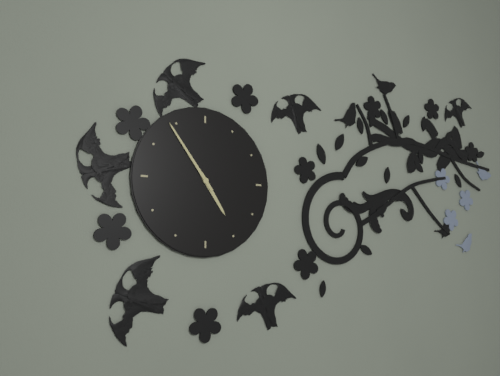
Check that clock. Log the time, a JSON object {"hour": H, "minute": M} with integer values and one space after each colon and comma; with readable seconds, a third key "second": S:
{"hour": 4, "minute": 54}
